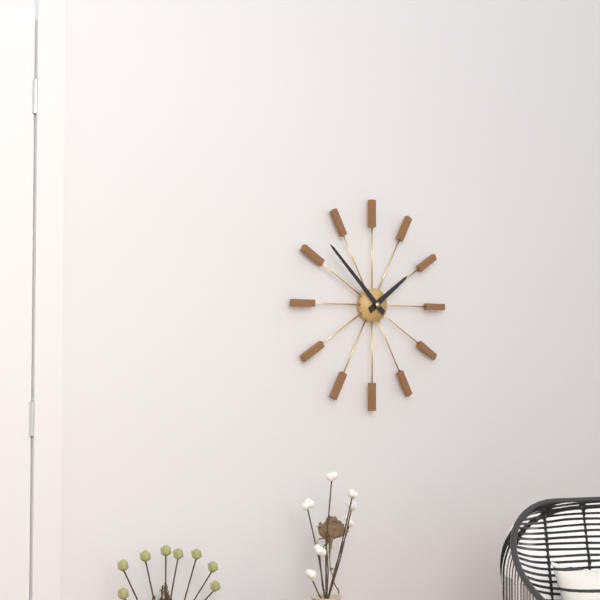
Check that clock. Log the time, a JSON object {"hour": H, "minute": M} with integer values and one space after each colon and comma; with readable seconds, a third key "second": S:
{"hour": 1, "minute": 52}
